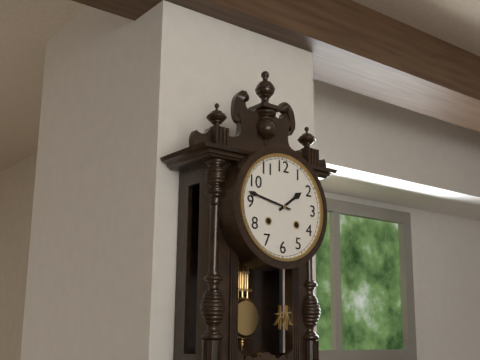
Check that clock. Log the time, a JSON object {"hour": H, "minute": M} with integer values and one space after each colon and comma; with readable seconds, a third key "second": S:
{"hour": 1, "minute": 47}
